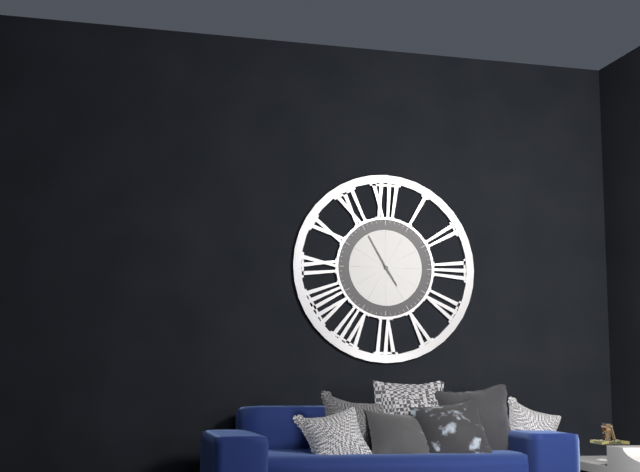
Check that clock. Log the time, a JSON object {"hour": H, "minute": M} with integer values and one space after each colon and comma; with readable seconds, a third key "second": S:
{"hour": 4, "minute": 55}
